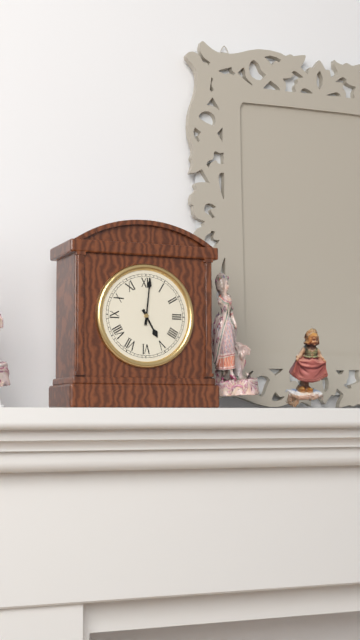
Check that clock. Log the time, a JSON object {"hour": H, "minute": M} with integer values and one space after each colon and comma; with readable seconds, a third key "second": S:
{"hour": 5, "minute": 1}
